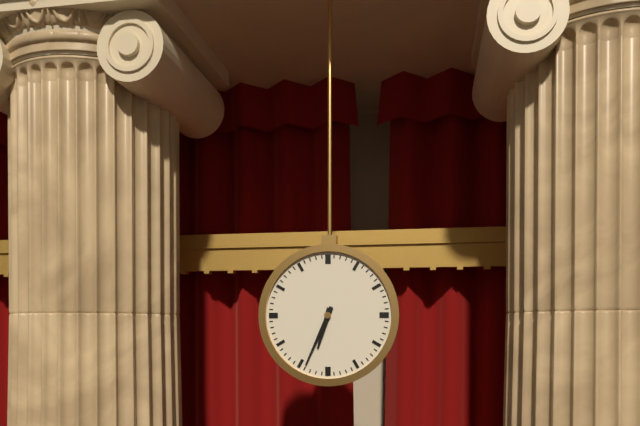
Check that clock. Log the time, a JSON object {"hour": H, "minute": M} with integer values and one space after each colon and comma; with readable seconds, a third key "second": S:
{"hour": 6, "minute": 34}
